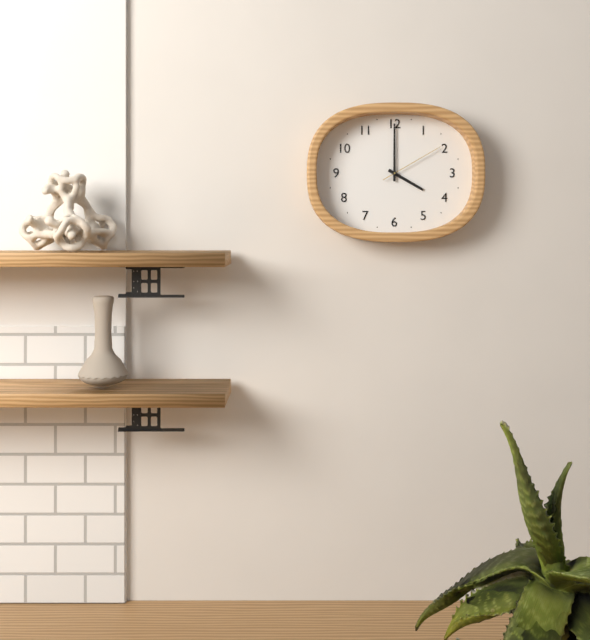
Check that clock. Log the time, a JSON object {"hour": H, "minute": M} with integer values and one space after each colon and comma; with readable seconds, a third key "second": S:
{"hour": 4, "minute": 0, "second": 10}
